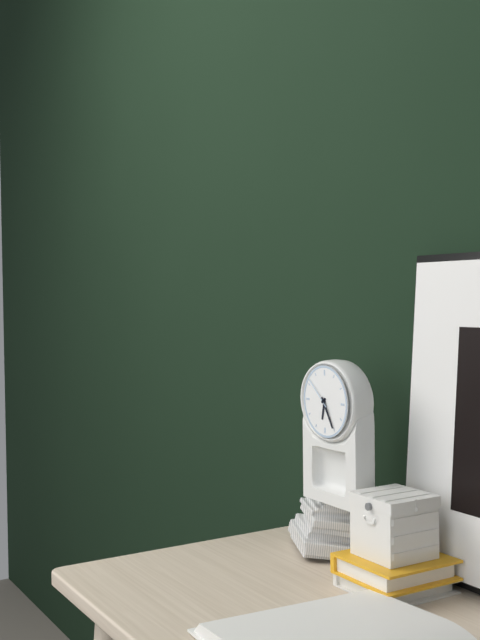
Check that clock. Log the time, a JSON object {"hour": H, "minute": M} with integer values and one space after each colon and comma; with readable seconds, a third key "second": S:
{"hour": 6, "minute": 25}
